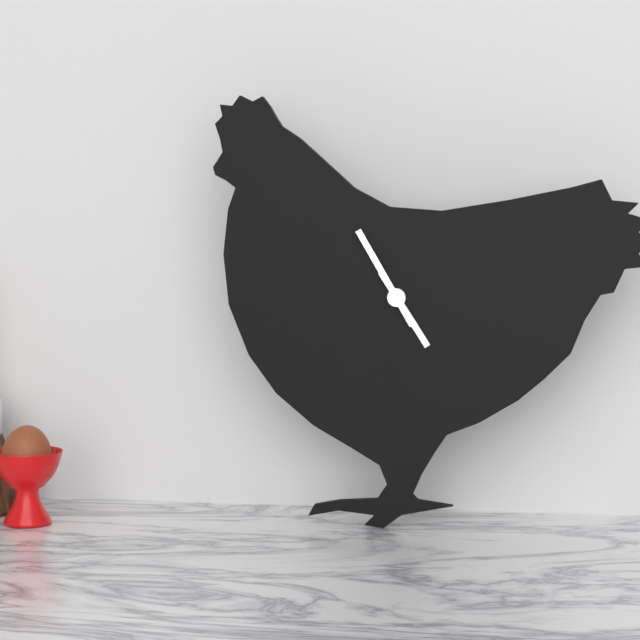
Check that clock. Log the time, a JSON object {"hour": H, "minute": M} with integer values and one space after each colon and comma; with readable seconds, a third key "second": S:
{"hour": 4, "minute": 55}
